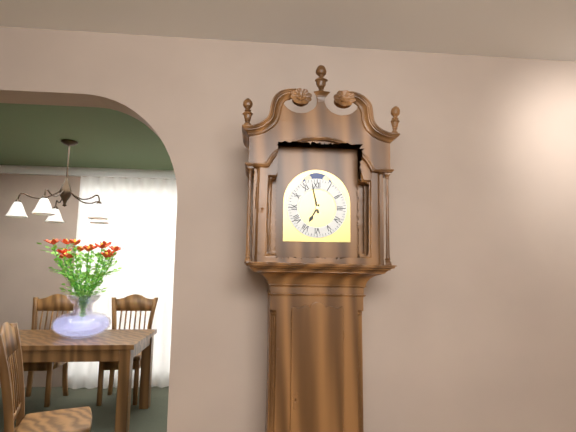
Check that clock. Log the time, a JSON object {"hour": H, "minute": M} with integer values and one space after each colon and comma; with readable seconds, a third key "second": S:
{"hour": 6, "minute": 58}
